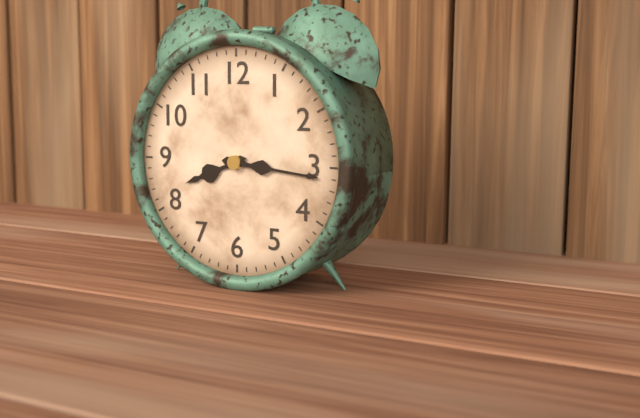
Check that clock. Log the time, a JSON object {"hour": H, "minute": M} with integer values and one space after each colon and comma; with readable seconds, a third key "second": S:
{"hour": 8, "minute": 16}
